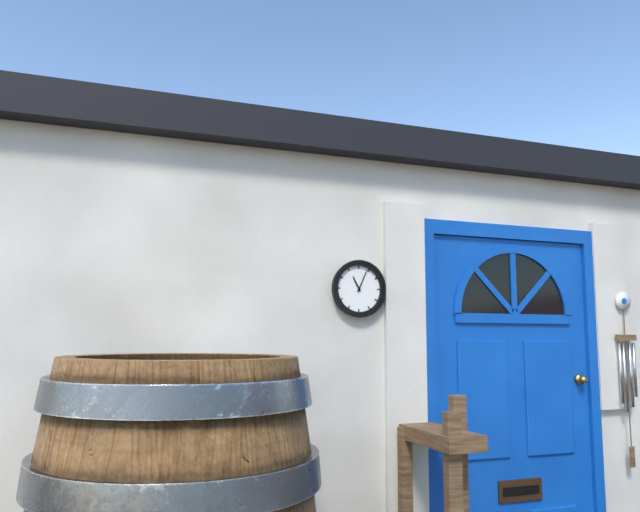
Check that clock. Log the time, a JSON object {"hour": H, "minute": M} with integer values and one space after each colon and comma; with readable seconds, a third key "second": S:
{"hour": 11, "minute": 4}
